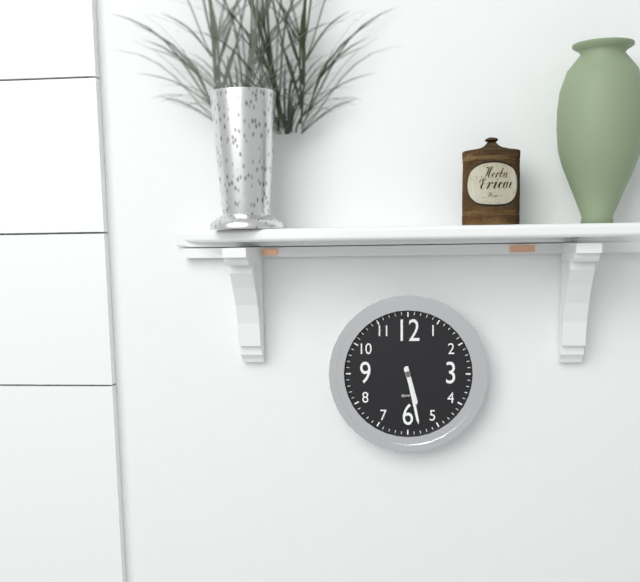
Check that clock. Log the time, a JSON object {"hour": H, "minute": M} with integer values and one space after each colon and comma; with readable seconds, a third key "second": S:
{"hour": 5, "minute": 28}
